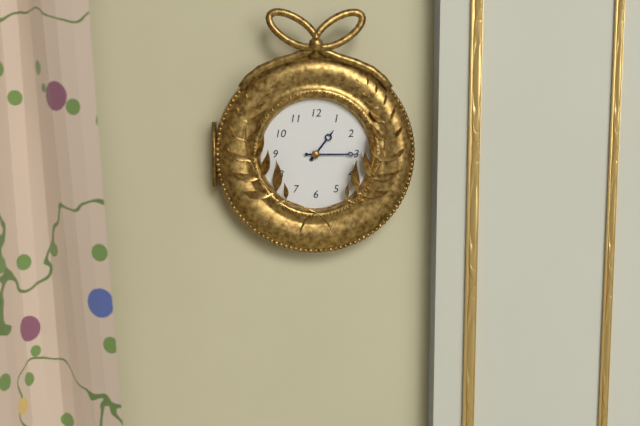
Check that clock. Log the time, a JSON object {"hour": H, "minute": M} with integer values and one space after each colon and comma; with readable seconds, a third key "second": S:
{"hour": 1, "minute": 15}
